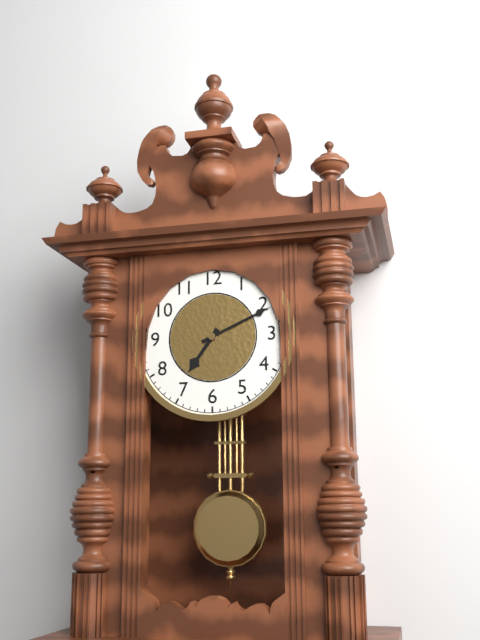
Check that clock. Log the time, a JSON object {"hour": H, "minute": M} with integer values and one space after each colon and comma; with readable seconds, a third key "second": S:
{"hour": 7, "minute": 11}
